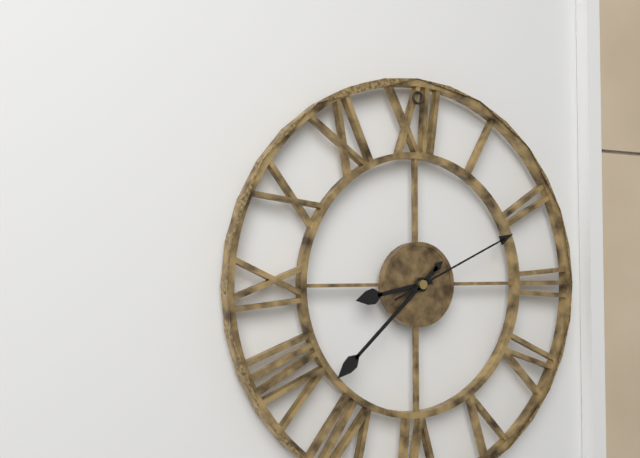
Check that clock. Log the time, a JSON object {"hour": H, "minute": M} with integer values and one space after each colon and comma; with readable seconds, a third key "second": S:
{"hour": 8, "minute": 38, "second": 11}
